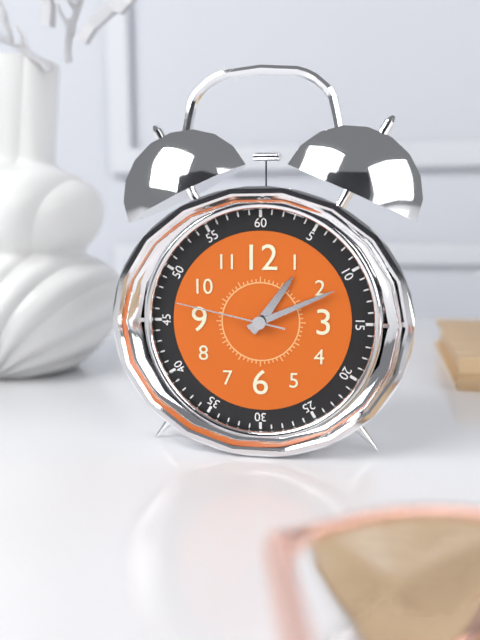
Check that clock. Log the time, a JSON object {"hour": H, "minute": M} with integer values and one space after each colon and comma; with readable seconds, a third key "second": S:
{"hour": 1, "minute": 11, "second": 47}
